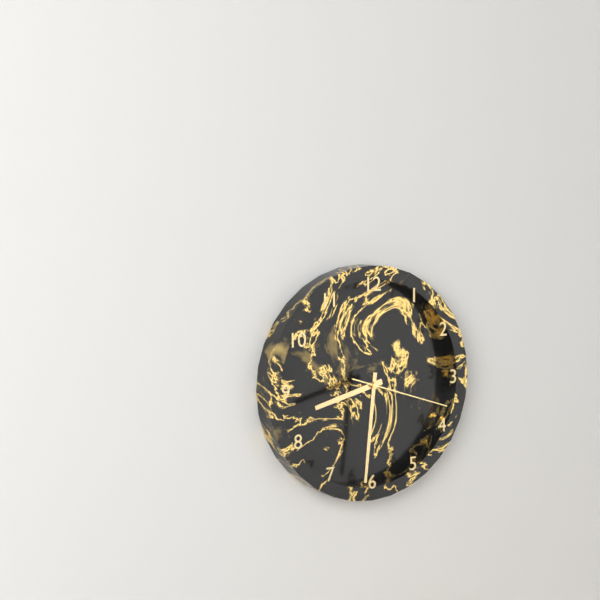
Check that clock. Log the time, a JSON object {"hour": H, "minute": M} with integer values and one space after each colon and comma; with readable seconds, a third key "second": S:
{"hour": 8, "minute": 31, "second": 18}
